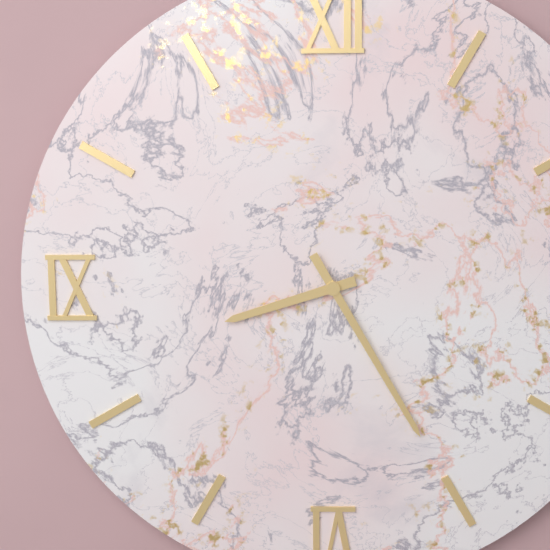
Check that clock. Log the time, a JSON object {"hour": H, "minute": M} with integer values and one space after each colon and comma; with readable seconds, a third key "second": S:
{"hour": 8, "minute": 25}
